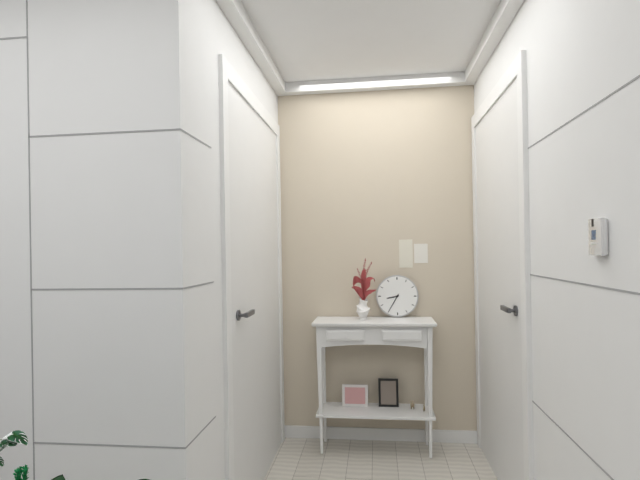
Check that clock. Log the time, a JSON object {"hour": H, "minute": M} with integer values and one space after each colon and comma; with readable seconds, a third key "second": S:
{"hour": 8, "minute": 35}
